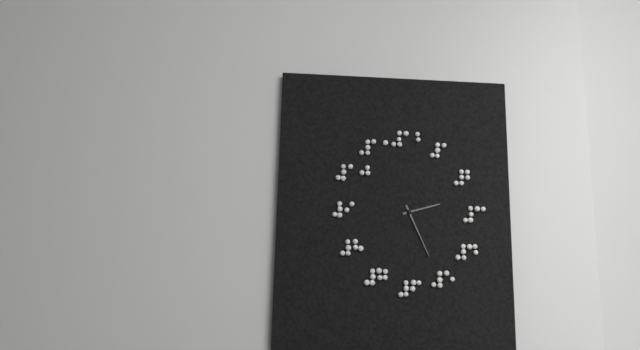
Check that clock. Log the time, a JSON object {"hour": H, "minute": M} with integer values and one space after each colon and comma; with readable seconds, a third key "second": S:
{"hour": 2, "minute": 26}
